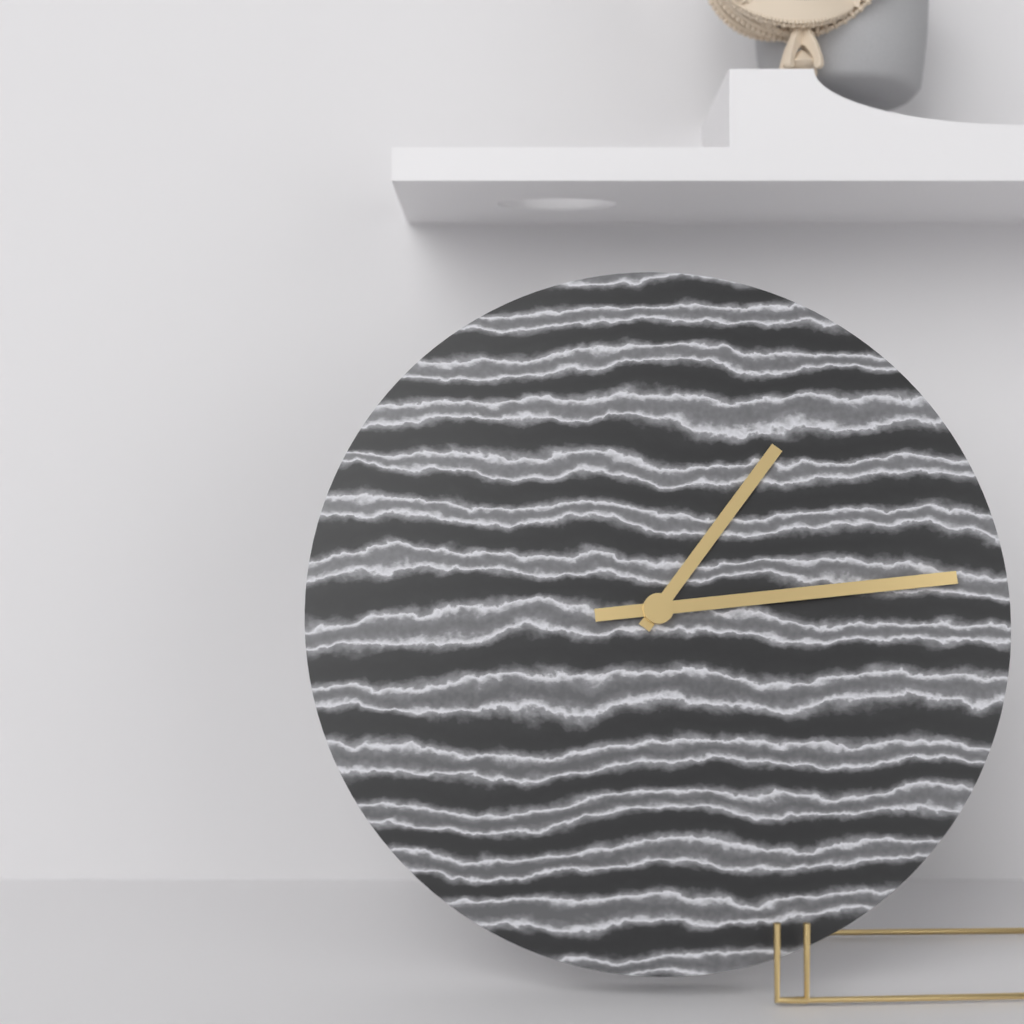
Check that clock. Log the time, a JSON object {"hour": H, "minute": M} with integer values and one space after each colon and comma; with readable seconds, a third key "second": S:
{"hour": 1, "minute": 14}
